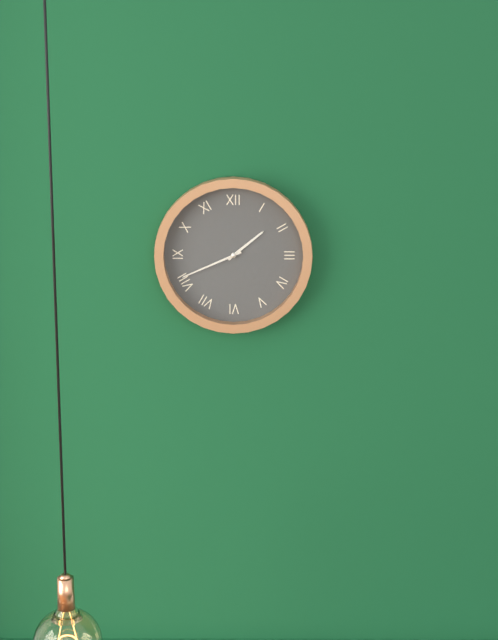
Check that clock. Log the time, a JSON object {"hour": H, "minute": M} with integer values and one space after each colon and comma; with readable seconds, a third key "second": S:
{"hour": 1, "minute": 41}
